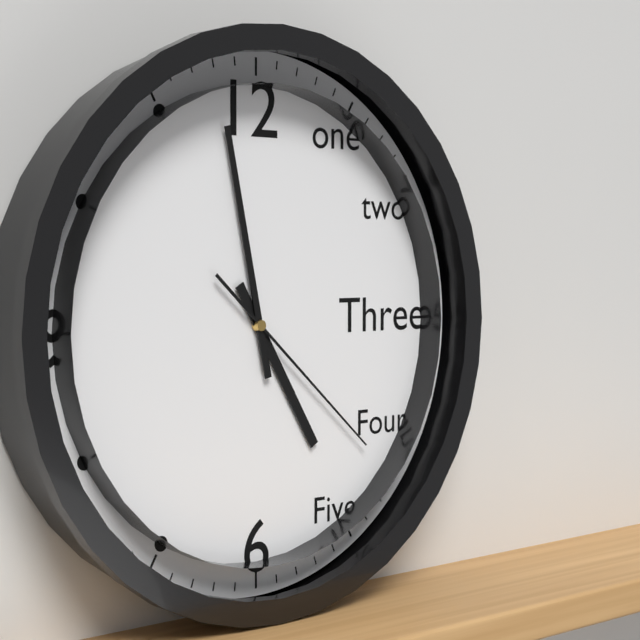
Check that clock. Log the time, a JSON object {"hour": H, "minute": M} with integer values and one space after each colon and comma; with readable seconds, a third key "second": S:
{"hour": 4, "minute": 58, "second": 22}
